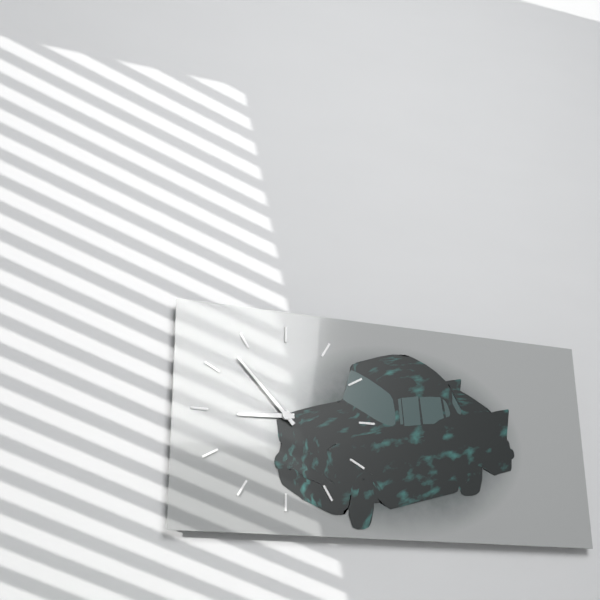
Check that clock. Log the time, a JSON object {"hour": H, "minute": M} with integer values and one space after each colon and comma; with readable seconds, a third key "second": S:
{"hour": 8, "minute": 53}
